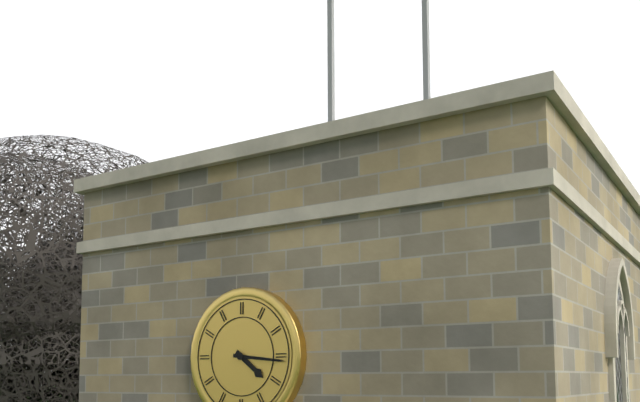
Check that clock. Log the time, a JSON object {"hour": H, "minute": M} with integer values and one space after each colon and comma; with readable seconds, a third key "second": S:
{"hour": 4, "minute": 16}
